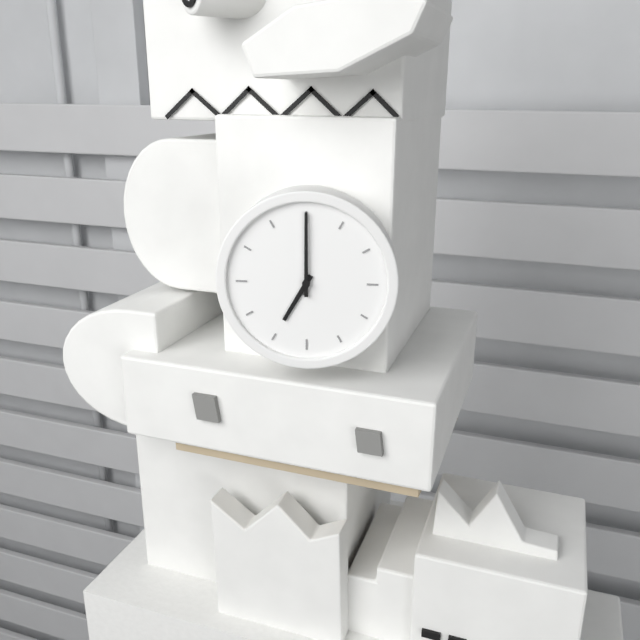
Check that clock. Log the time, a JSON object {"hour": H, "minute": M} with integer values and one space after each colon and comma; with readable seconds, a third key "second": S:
{"hour": 7, "minute": 0}
